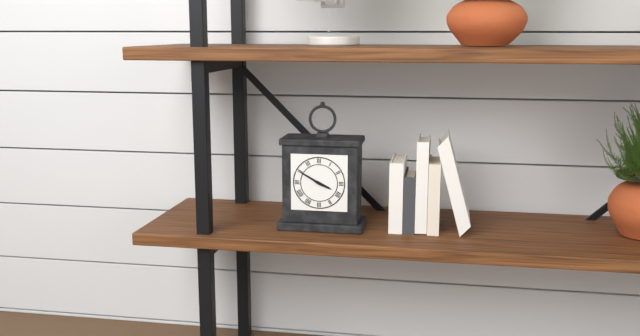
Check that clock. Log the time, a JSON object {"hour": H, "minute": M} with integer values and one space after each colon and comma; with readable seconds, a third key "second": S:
{"hour": 3, "minute": 50}
